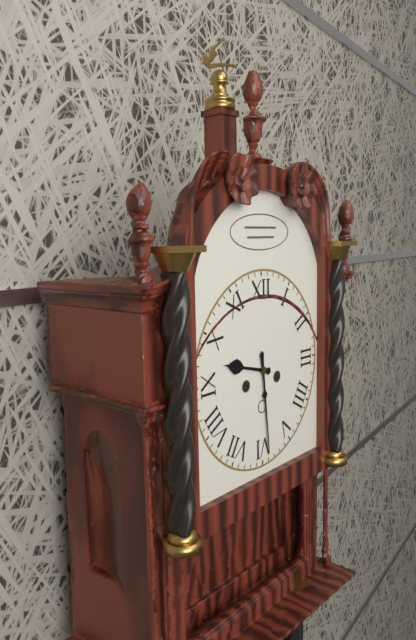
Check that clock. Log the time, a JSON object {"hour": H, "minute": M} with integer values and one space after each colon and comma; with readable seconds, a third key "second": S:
{"hour": 9, "minute": 29}
